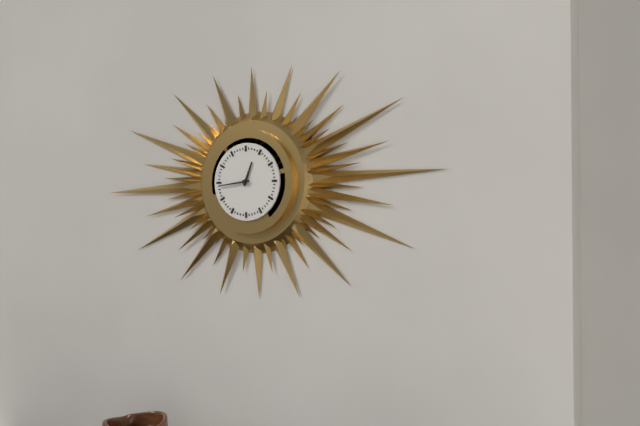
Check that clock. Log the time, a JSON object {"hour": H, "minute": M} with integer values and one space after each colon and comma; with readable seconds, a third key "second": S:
{"hour": 12, "minute": 44}
